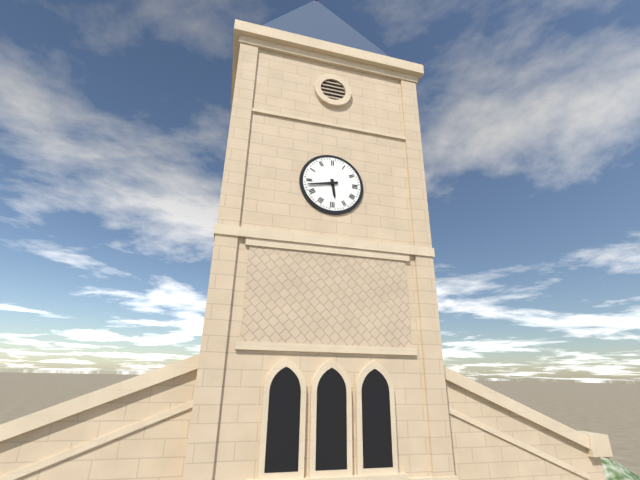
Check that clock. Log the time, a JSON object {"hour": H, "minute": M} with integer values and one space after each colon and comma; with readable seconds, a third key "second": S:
{"hour": 5, "minute": 43}
